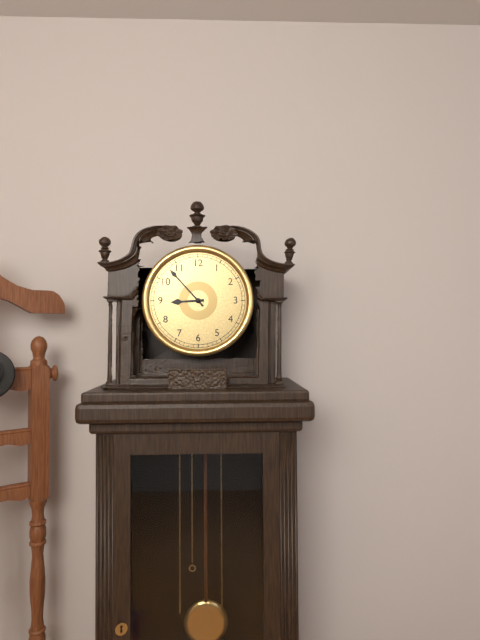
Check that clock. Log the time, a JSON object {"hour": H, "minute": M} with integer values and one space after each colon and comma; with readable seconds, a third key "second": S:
{"hour": 8, "minute": 53}
